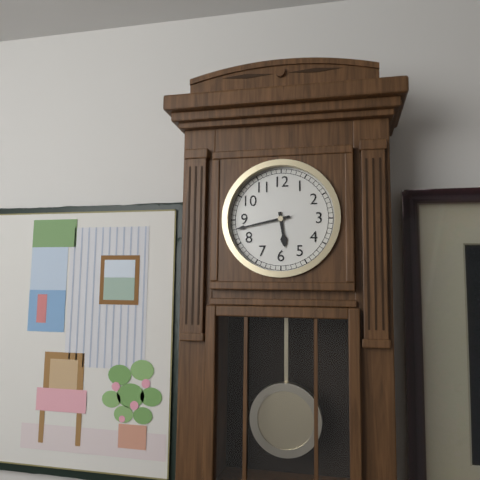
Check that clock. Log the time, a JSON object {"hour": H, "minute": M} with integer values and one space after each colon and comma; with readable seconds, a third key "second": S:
{"hour": 5, "minute": 43}
